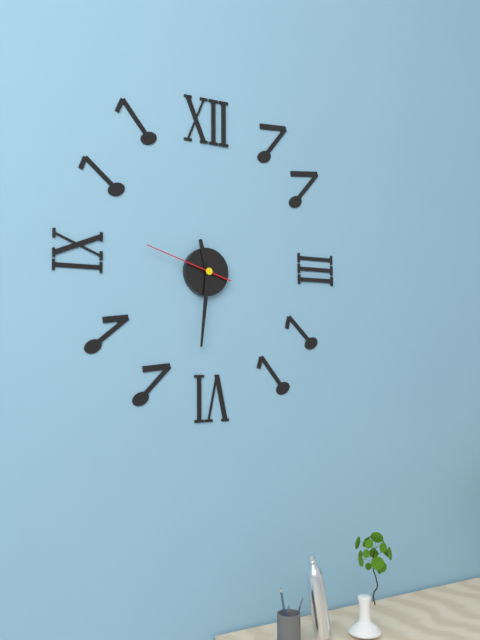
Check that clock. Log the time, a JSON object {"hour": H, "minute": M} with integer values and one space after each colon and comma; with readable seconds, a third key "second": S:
{"hour": 11, "minute": 31, "second": 48}
